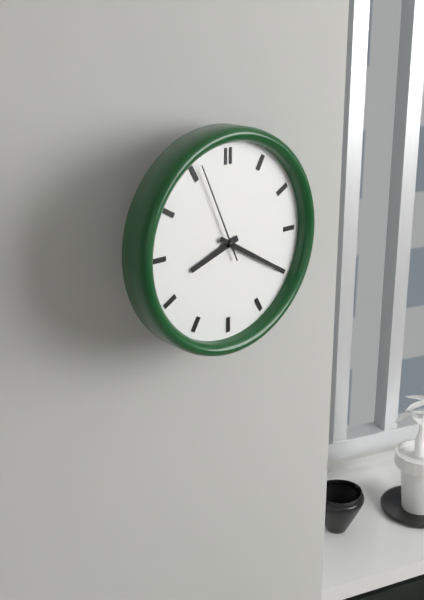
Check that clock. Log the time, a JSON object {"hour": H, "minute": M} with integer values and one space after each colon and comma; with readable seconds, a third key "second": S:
{"hour": 8, "minute": 20, "second": 56}
